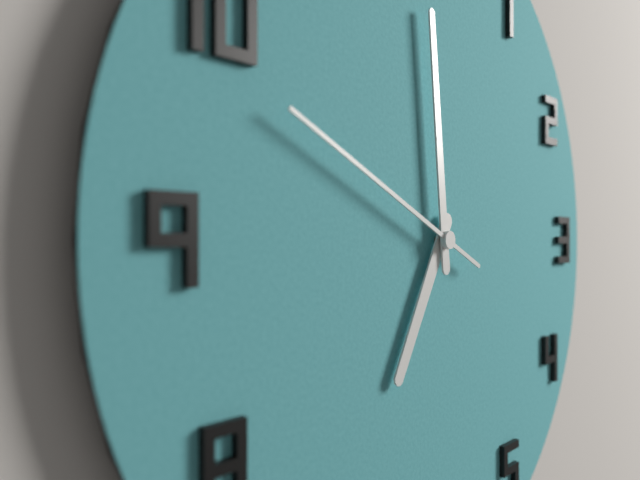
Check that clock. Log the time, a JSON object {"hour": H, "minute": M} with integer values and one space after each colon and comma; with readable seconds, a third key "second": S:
{"hour": 6, "minute": 59, "second": 49}
